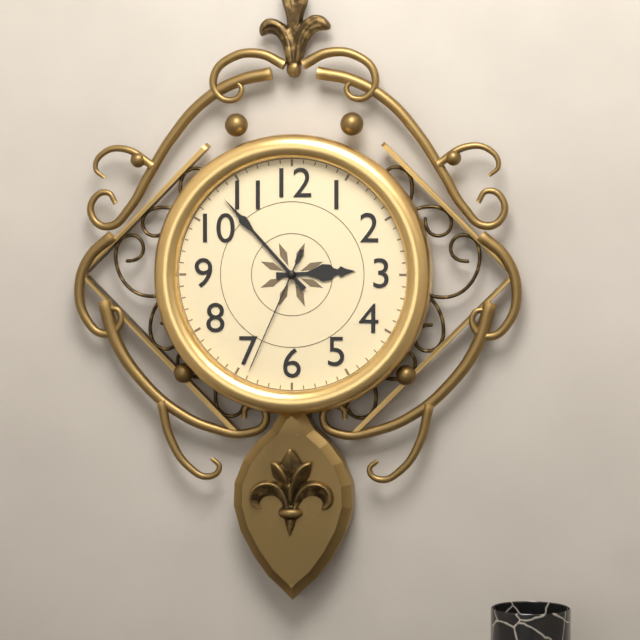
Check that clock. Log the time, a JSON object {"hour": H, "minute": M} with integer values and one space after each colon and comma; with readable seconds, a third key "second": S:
{"hour": 2, "minute": 53, "second": 34}
